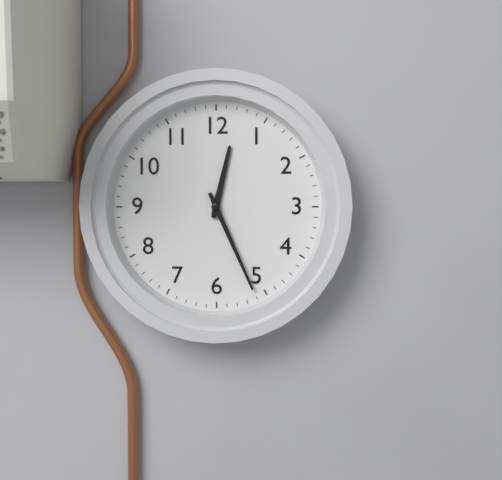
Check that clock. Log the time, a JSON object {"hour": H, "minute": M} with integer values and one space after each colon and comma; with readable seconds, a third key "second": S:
{"hour": 12, "minute": 26}
